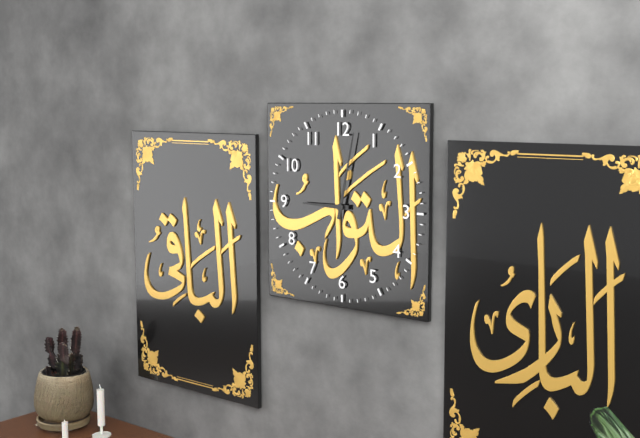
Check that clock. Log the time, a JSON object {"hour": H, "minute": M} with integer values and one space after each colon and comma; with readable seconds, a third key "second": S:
{"hour": 9, "minute": 2}
